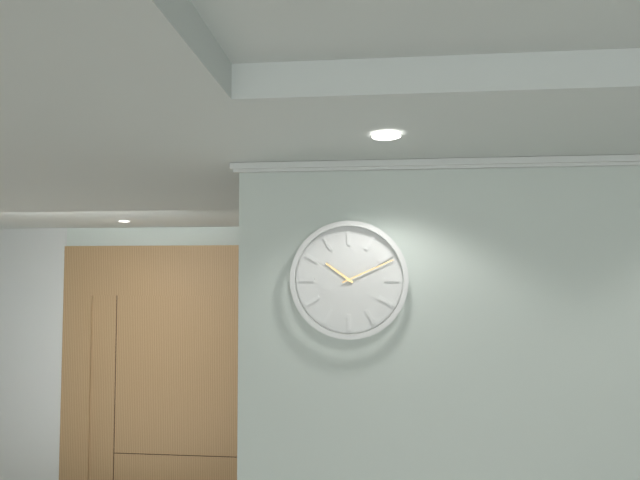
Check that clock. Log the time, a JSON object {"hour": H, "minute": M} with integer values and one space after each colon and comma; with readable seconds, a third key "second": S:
{"hour": 10, "minute": 11}
